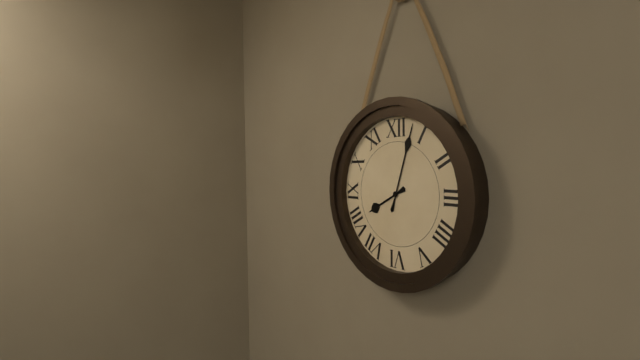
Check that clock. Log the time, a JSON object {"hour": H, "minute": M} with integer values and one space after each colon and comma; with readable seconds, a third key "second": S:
{"hour": 8, "minute": 3}
